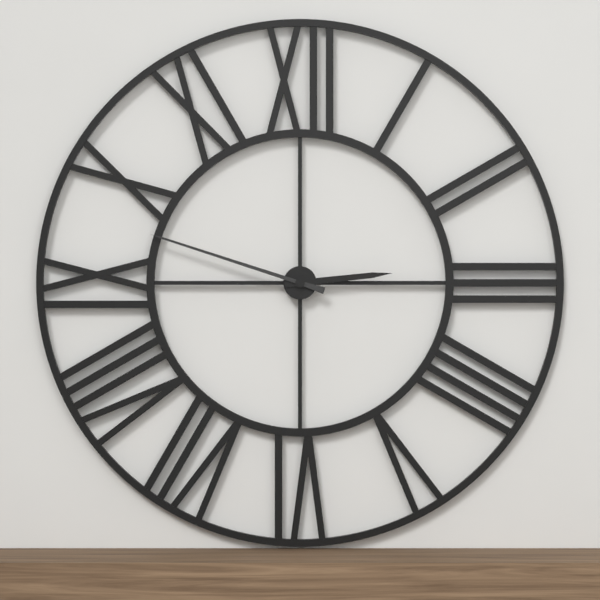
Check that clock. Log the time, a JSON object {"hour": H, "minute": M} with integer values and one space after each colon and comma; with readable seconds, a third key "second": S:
{"hour": 2, "minute": 48}
